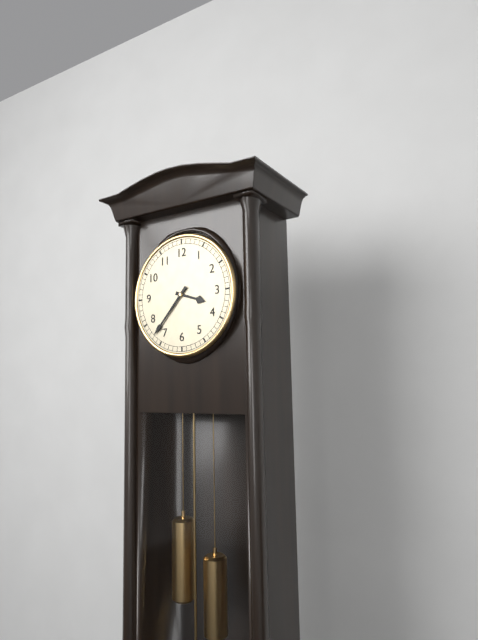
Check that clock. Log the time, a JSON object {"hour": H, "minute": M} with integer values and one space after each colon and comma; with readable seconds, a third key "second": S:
{"hour": 3, "minute": 37}
